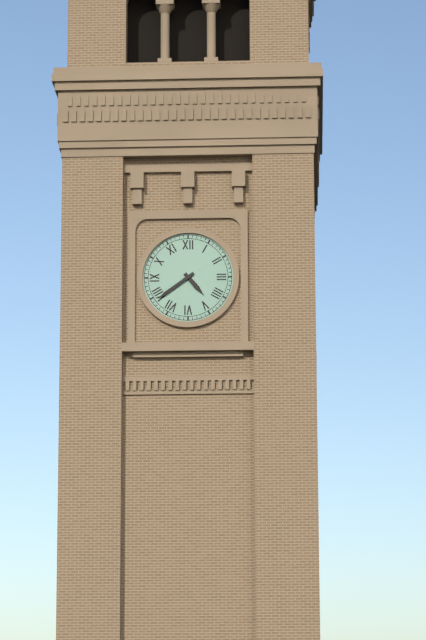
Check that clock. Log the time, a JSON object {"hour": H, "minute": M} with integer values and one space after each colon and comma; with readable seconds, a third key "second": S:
{"hour": 4, "minute": 39}
